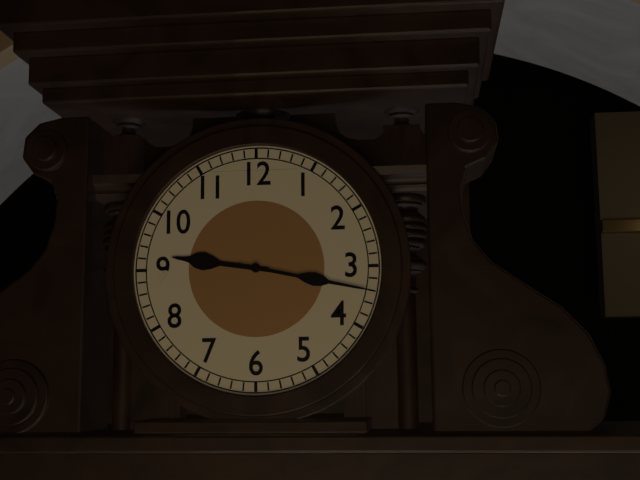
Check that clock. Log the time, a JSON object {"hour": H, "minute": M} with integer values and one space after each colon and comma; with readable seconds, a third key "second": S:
{"hour": 9, "minute": 17}
